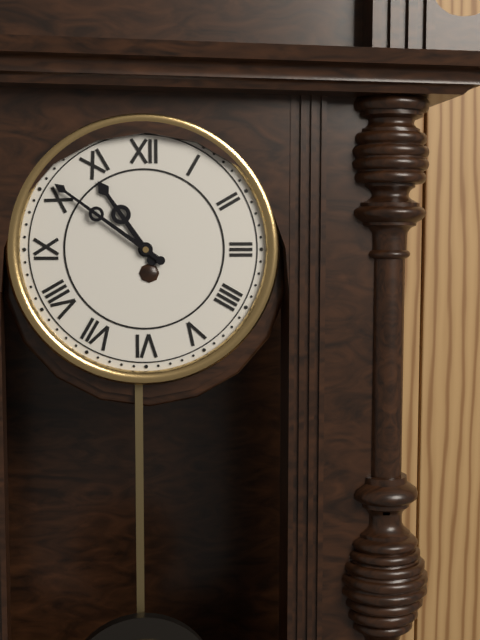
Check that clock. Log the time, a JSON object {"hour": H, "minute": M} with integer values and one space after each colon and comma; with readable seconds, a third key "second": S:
{"hour": 10, "minute": 51}
